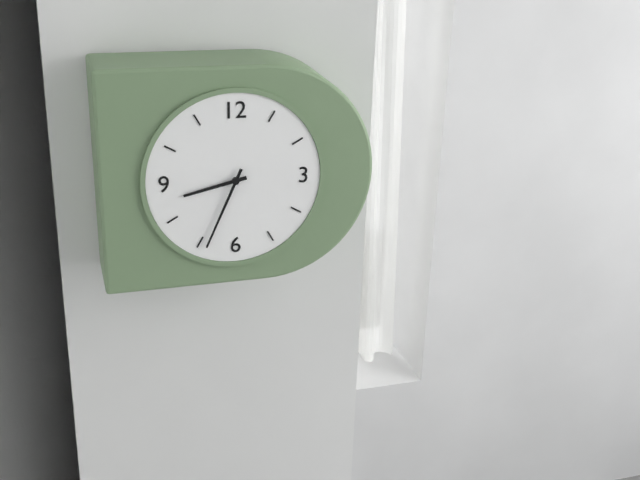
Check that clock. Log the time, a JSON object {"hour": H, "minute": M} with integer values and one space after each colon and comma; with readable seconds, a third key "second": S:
{"hour": 8, "minute": 34}
